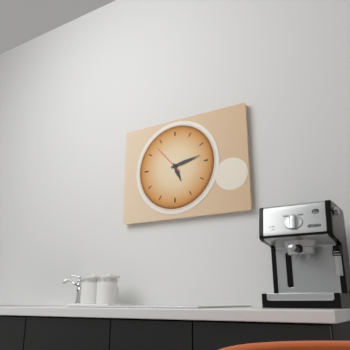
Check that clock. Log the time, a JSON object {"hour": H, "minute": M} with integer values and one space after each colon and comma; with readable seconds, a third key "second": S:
{"hour": 5, "minute": 13}
